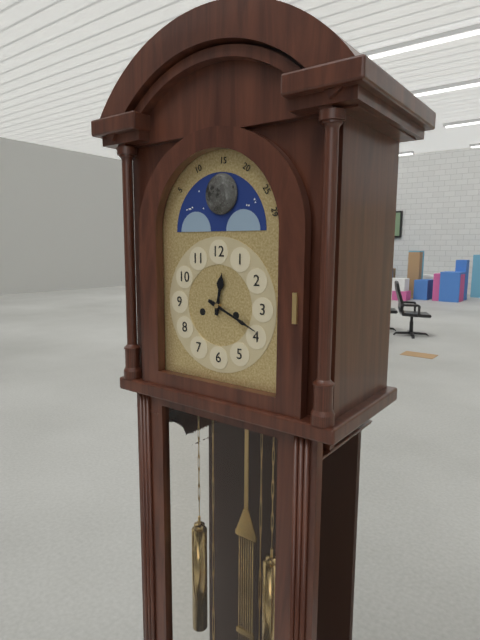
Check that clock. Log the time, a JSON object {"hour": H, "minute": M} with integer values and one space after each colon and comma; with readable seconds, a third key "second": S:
{"hour": 12, "minute": 19}
